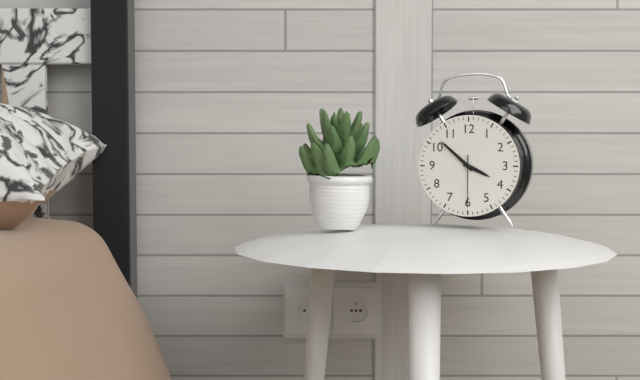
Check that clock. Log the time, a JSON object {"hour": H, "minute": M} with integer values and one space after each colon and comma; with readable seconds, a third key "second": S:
{"hour": 3, "minute": 52, "second": 30}
